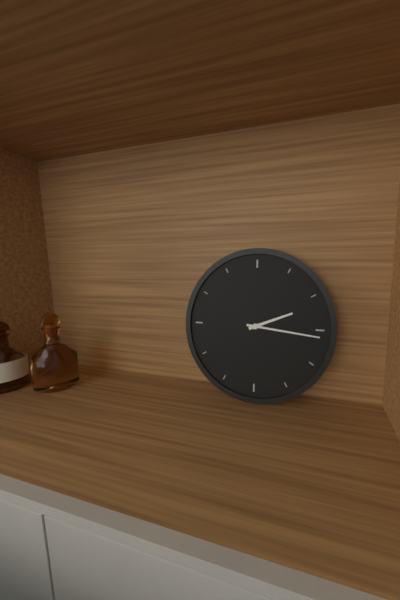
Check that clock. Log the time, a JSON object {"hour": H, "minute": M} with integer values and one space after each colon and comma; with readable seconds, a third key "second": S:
{"hour": 2, "minute": 16}
